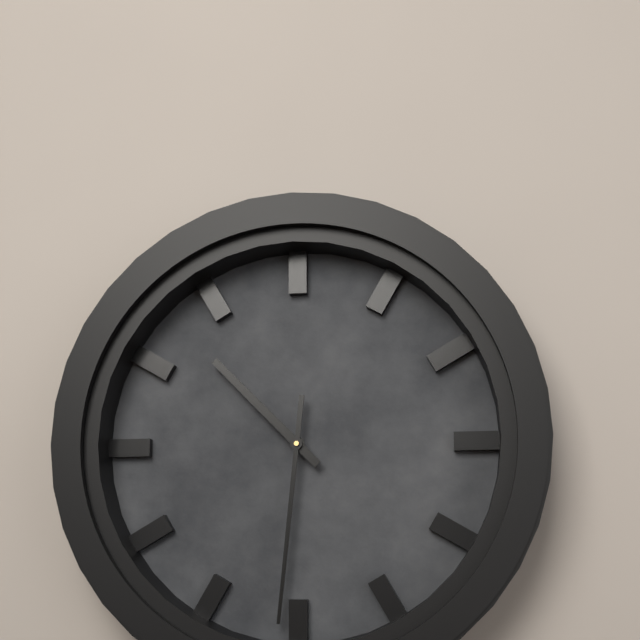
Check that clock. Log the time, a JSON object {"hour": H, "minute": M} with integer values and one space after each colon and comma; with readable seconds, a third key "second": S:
{"hour": 10, "minute": 31}
